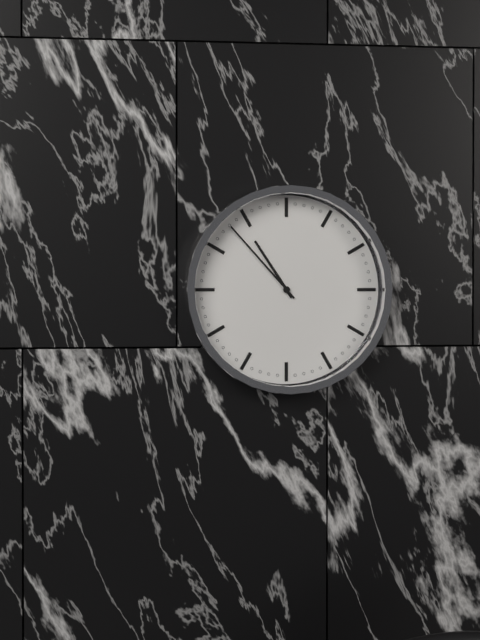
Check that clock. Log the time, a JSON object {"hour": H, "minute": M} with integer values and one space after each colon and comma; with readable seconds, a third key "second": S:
{"hour": 10, "minute": 53}
